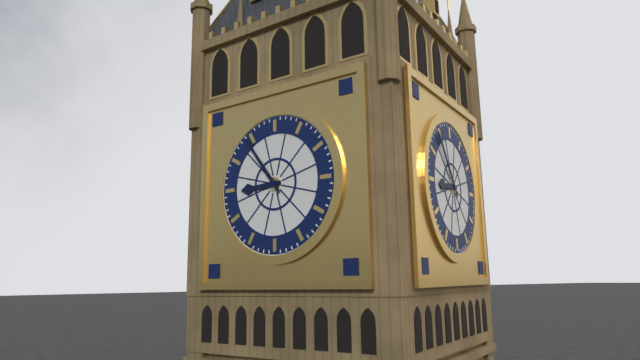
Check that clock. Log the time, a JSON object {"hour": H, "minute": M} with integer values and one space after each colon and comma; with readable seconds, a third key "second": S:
{"hour": 8, "minute": 54}
